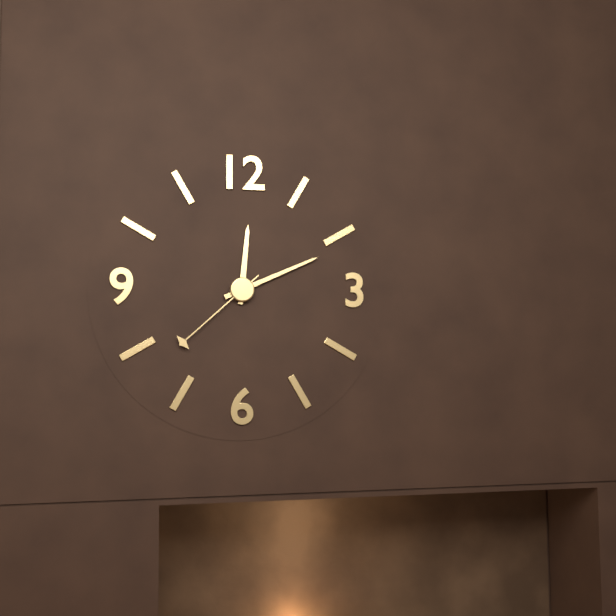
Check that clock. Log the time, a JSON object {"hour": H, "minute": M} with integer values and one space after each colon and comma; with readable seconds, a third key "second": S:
{"hour": 12, "minute": 11, "second": 38}
